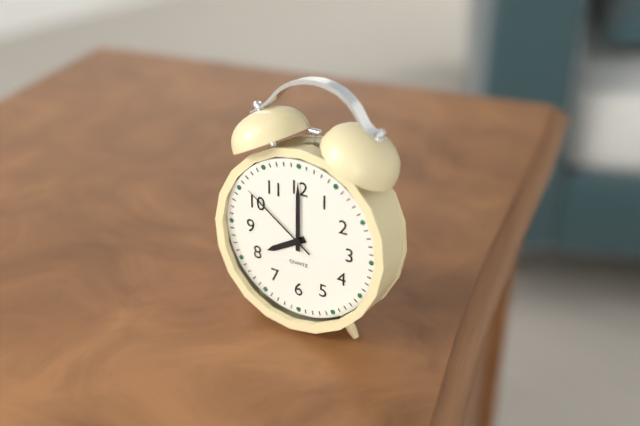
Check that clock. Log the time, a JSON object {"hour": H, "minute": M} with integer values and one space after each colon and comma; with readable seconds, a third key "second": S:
{"hour": 8, "minute": 0, "second": 51}
